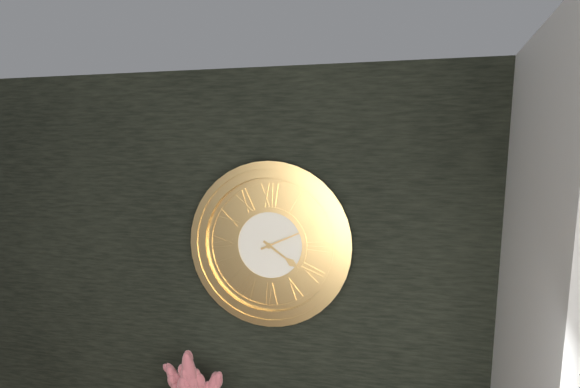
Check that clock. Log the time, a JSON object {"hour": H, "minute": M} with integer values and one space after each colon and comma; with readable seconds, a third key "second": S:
{"hour": 4, "minute": 11}
